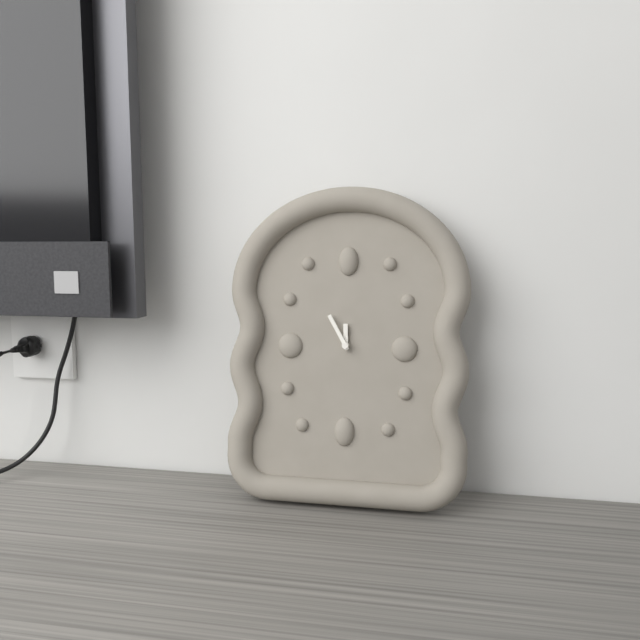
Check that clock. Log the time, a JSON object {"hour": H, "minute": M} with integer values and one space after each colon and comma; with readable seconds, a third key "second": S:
{"hour": 11, "minute": 55}
